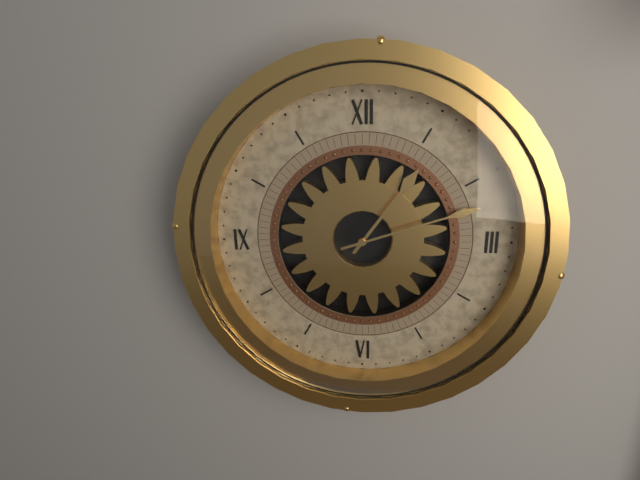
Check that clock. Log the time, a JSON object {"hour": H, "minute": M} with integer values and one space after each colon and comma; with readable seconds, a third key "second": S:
{"hour": 1, "minute": 12}
